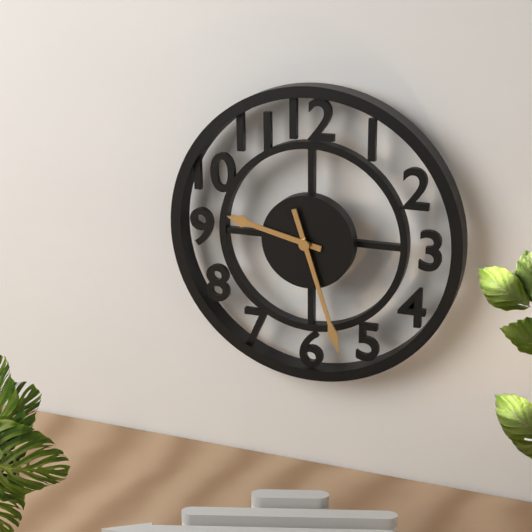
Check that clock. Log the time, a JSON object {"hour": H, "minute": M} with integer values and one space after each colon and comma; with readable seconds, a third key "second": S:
{"hour": 9, "minute": 27}
